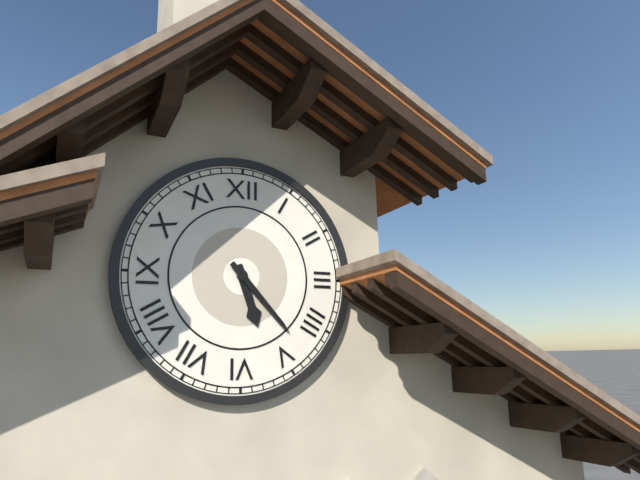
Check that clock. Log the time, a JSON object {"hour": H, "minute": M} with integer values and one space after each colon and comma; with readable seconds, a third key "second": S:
{"hour": 5, "minute": 23}
